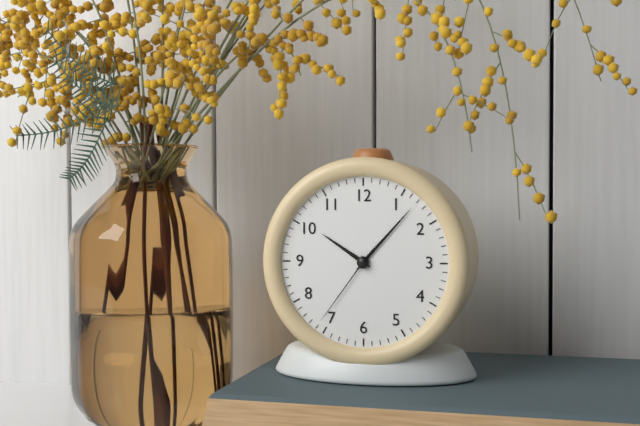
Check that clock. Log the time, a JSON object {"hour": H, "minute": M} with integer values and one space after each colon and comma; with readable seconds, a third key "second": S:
{"hour": 10, "minute": 7, "second": 36}
